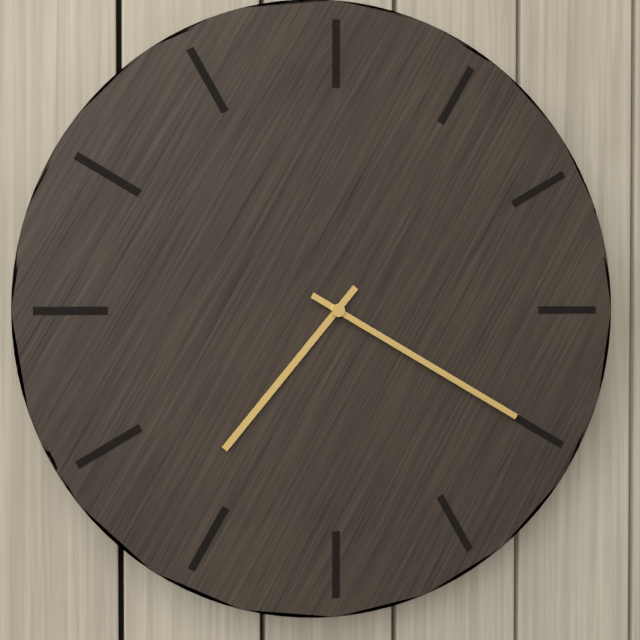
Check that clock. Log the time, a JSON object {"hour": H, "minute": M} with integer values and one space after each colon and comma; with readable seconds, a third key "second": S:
{"hour": 7, "minute": 20}
